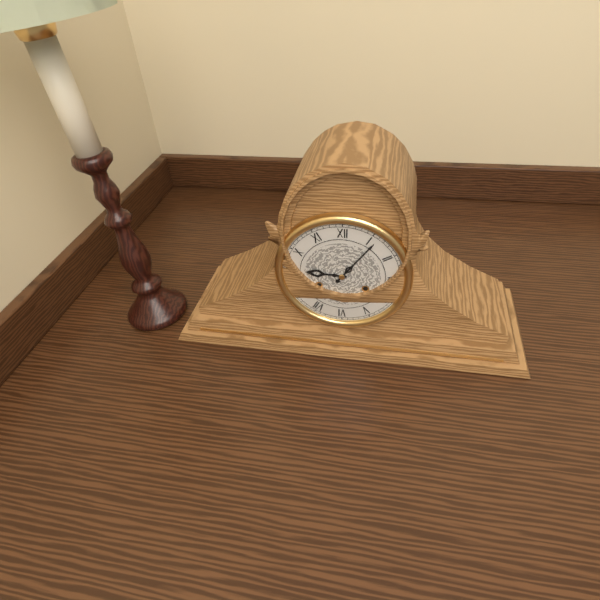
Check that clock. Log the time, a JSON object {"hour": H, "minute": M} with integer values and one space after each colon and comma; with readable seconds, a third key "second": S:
{"hour": 9, "minute": 6}
